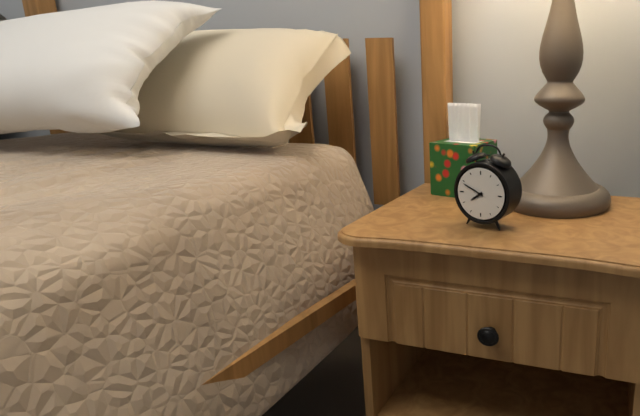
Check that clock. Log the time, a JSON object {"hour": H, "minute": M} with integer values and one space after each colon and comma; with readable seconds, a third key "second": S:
{"hour": 7, "minute": 49}
